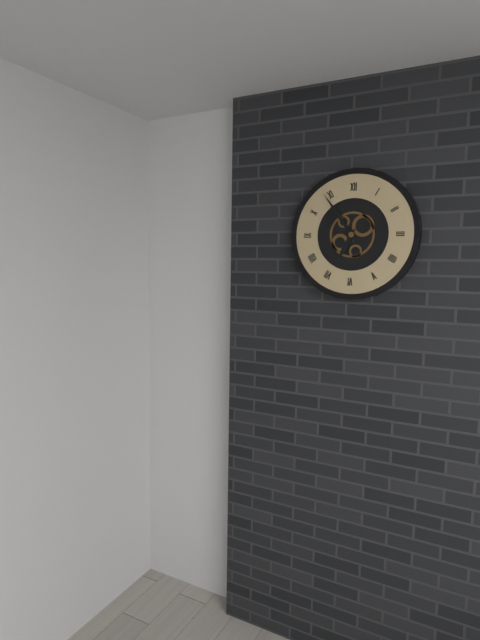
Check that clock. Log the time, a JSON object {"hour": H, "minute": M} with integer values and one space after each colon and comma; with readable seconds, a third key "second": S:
{"hour": 6, "minute": 54}
